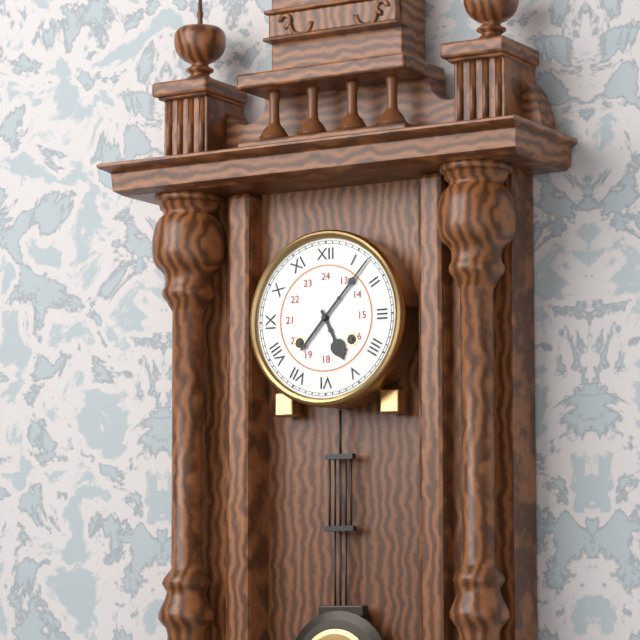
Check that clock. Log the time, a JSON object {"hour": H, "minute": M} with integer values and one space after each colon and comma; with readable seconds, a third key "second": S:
{"hour": 5, "minute": 7}
